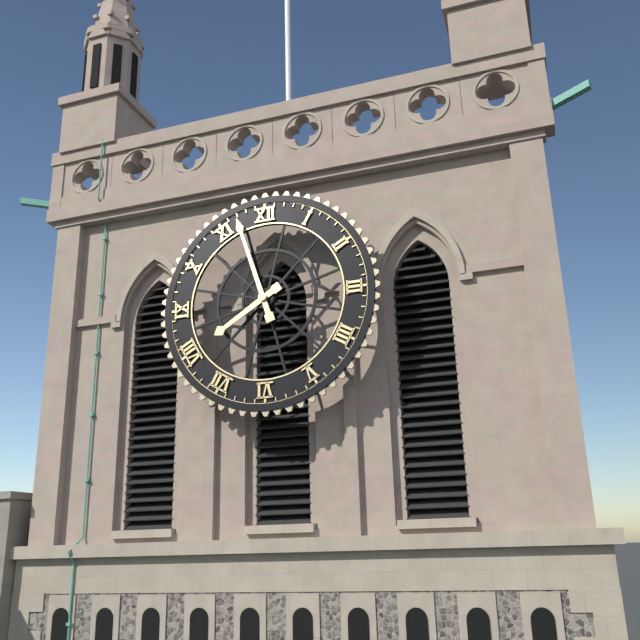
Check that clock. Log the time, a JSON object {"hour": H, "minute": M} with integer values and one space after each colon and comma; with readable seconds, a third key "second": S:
{"hour": 7, "minute": 57}
